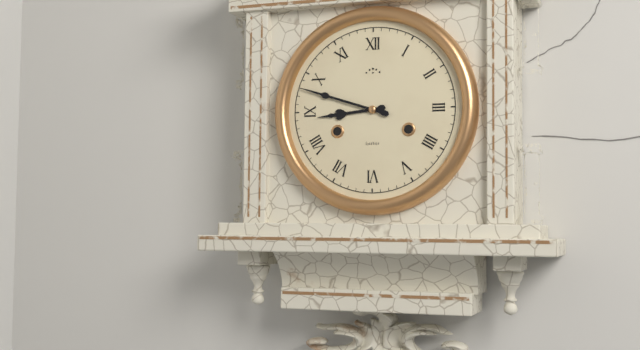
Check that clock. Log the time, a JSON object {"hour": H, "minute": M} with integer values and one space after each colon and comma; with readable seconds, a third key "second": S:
{"hour": 8, "minute": 48}
